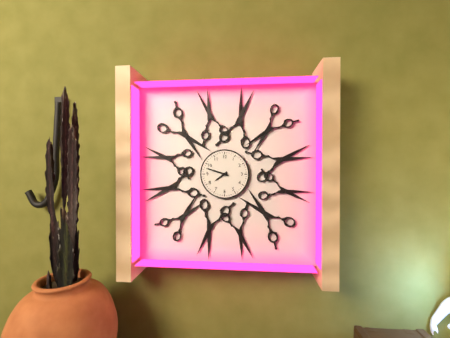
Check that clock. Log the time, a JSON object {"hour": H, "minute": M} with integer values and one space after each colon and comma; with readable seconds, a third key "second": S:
{"hour": 7, "minute": 48}
